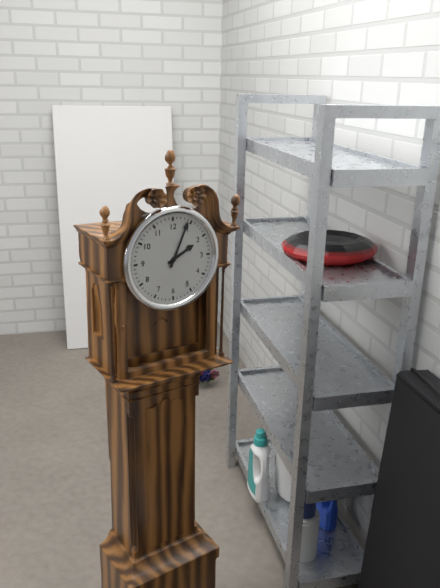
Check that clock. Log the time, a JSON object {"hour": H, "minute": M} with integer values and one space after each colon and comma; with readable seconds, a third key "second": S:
{"hour": 2, "minute": 4}
